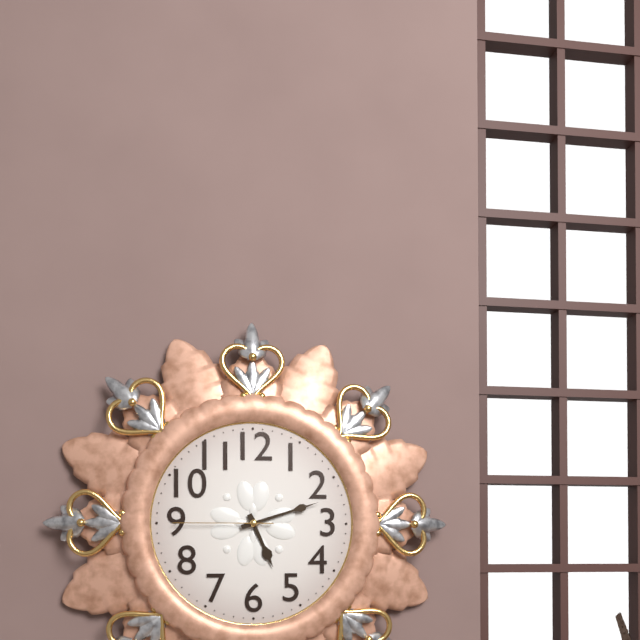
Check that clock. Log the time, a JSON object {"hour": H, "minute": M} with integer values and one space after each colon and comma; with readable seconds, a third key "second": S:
{"hour": 5, "minute": 12, "second": 45}
